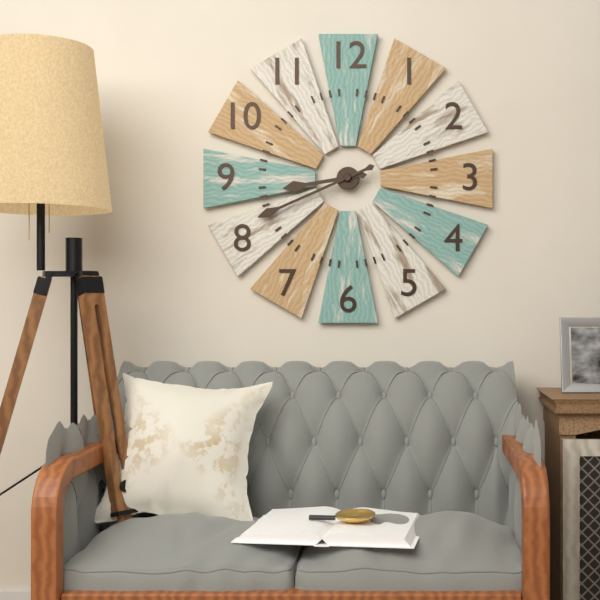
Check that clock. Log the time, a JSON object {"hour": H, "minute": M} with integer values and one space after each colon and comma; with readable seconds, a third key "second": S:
{"hour": 8, "minute": 41}
